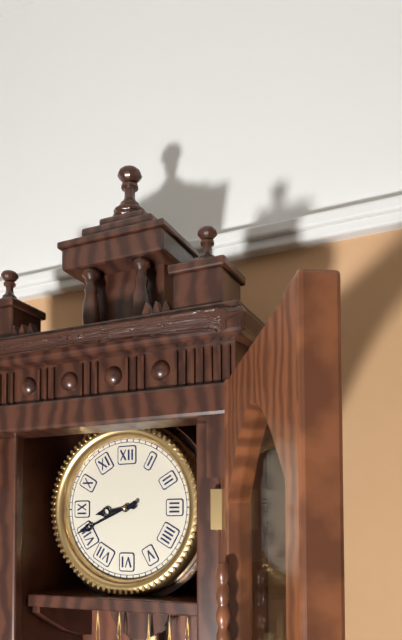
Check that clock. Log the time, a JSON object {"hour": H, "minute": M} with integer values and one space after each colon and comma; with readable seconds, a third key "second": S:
{"hour": 8, "minute": 41}
